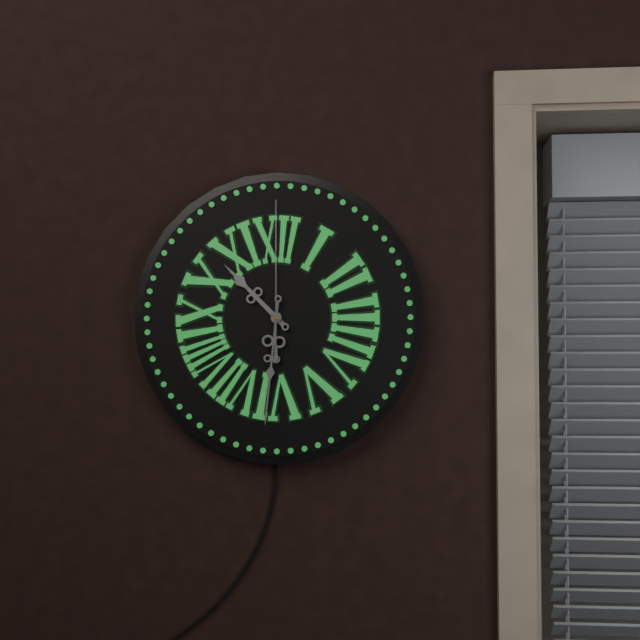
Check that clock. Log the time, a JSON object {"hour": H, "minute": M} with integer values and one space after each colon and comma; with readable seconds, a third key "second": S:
{"hour": 10, "minute": 31, "second": 0}
